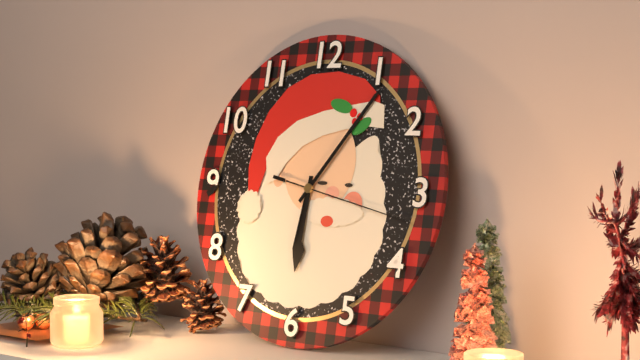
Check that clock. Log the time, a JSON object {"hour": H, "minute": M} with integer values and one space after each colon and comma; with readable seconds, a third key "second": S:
{"hour": 6, "minute": 6, "second": 17}
